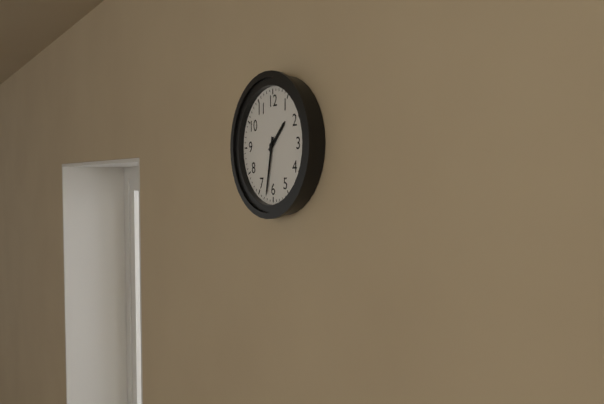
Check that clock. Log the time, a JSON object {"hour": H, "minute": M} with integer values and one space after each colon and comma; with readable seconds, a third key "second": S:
{"hour": 1, "minute": 32}
